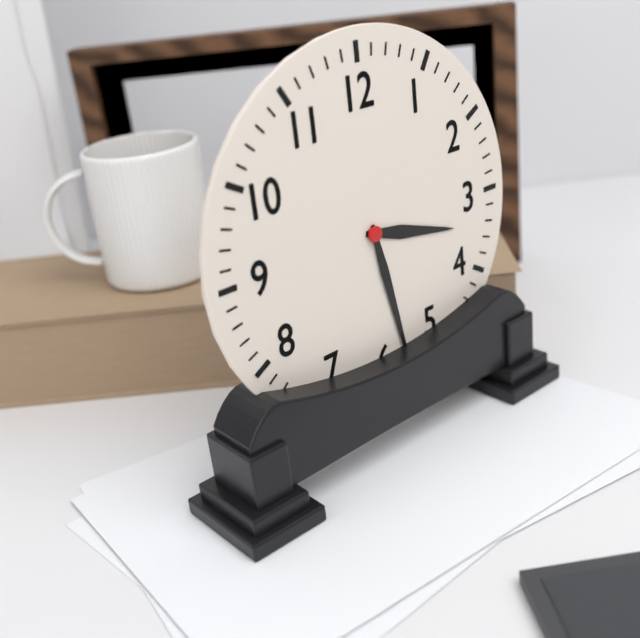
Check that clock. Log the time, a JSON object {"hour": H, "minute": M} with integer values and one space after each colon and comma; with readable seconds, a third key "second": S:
{"hour": 3, "minute": 28}
